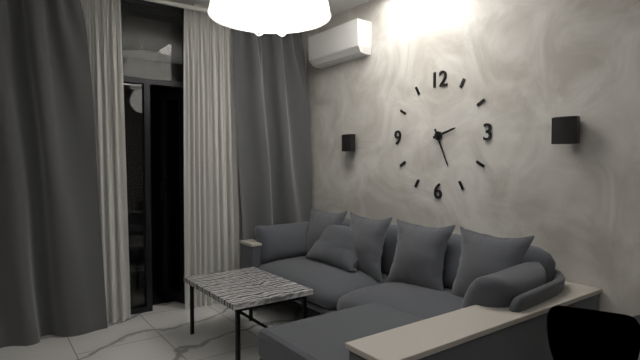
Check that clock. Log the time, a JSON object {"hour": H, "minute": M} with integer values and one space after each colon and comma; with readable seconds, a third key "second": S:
{"hour": 2, "minute": 26}
